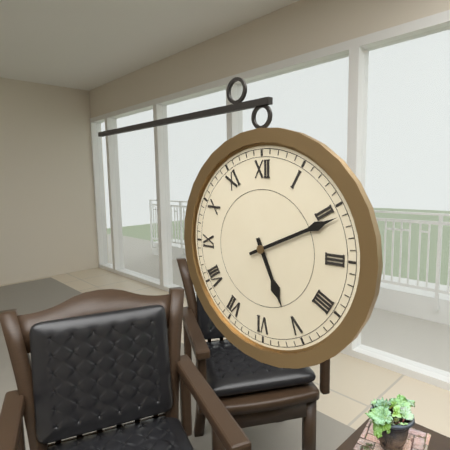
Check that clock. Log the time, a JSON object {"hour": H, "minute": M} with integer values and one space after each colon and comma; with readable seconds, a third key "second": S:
{"hour": 5, "minute": 11}
